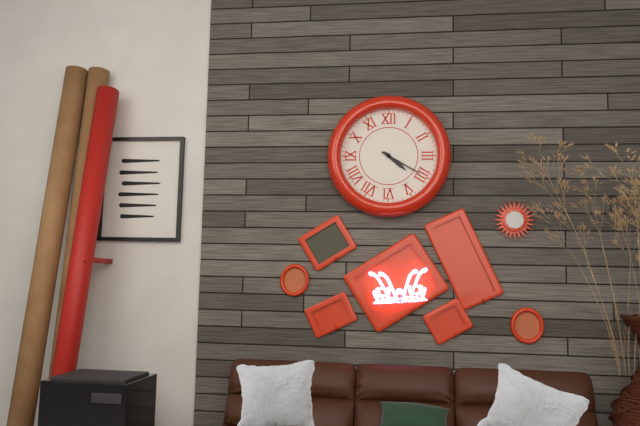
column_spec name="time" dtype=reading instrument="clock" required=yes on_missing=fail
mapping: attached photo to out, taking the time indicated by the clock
4:20
